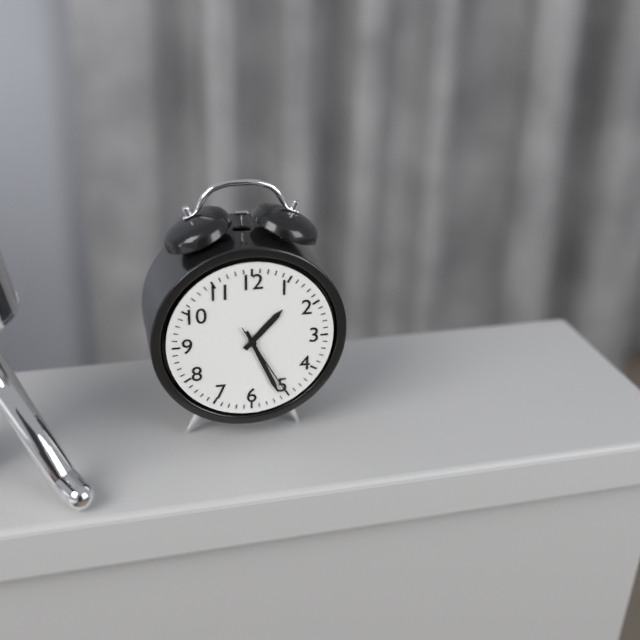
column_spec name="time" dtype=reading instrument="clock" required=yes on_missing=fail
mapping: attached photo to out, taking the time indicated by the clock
1:26:25
